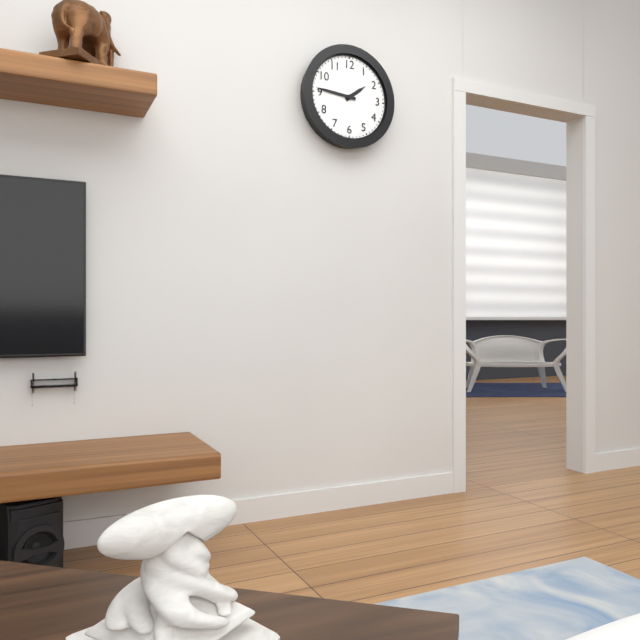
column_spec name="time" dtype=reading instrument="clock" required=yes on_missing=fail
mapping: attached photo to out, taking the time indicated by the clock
1:46
